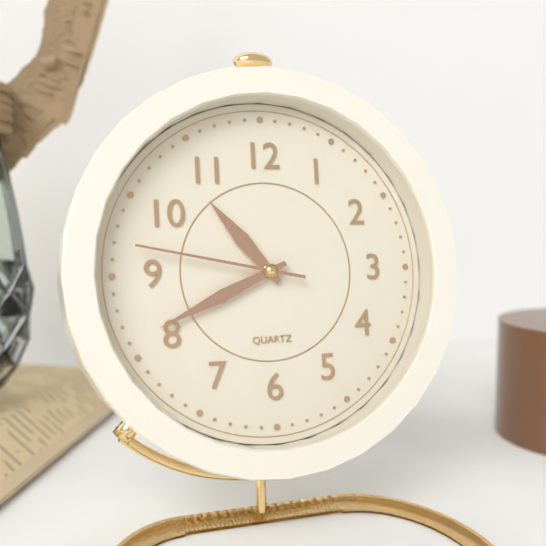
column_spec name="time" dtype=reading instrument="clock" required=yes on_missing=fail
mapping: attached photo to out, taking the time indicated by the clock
10:41:47
